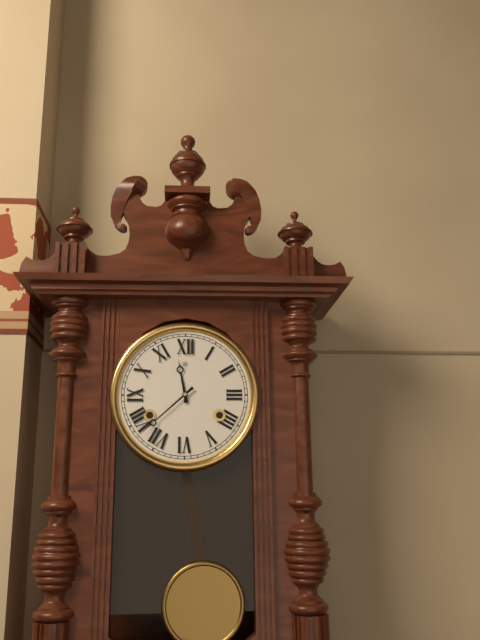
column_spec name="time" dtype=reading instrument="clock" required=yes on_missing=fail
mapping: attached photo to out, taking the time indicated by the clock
11:38
